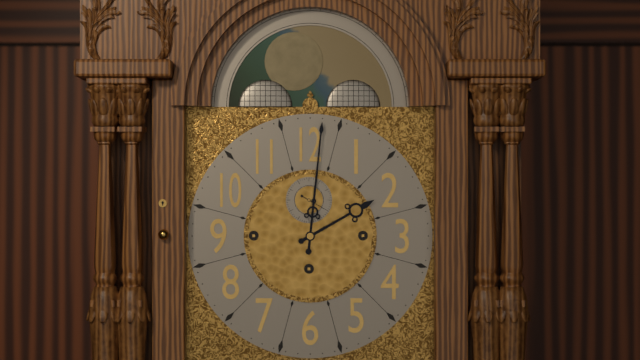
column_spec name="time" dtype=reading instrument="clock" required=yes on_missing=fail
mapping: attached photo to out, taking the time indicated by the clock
2:01
